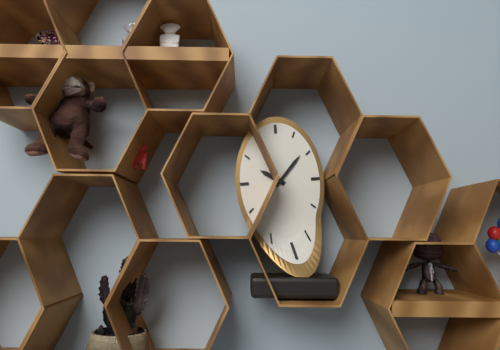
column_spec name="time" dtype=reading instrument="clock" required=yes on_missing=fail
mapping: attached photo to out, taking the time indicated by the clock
10:07
